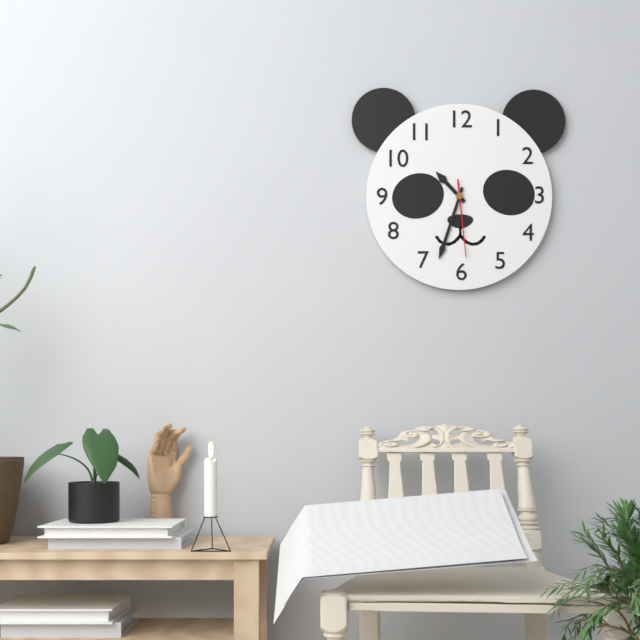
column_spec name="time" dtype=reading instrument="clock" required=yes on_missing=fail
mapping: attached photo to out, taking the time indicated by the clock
10:33:29
